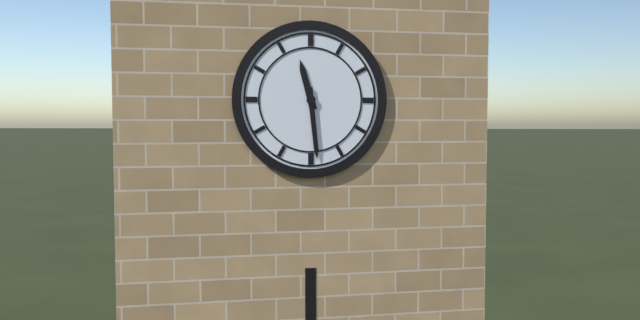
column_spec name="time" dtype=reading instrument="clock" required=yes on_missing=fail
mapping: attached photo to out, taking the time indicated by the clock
11:29
